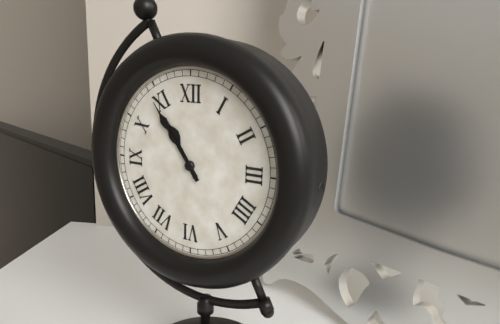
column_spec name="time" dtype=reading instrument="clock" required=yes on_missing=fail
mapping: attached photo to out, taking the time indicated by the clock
10:54
